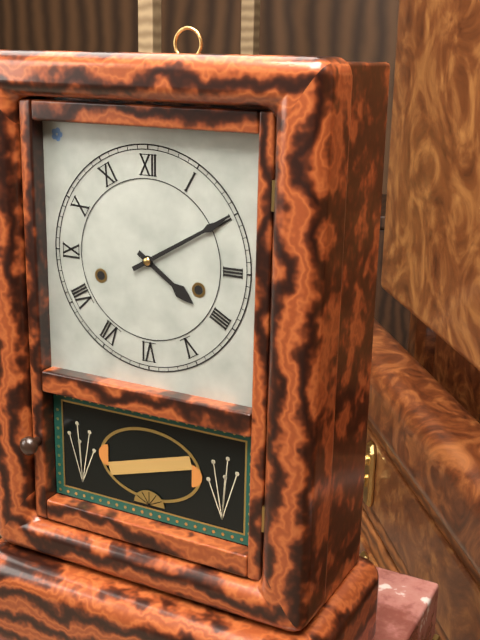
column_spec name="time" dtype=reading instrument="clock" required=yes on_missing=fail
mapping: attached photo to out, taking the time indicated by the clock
4:10
